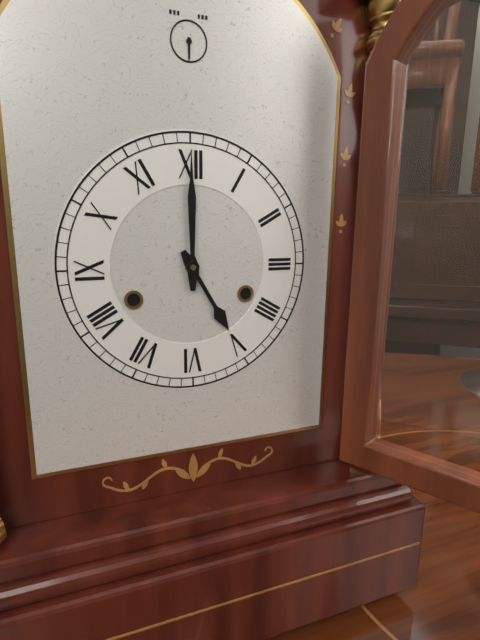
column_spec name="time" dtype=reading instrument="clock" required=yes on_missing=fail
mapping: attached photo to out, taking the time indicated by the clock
5:00
